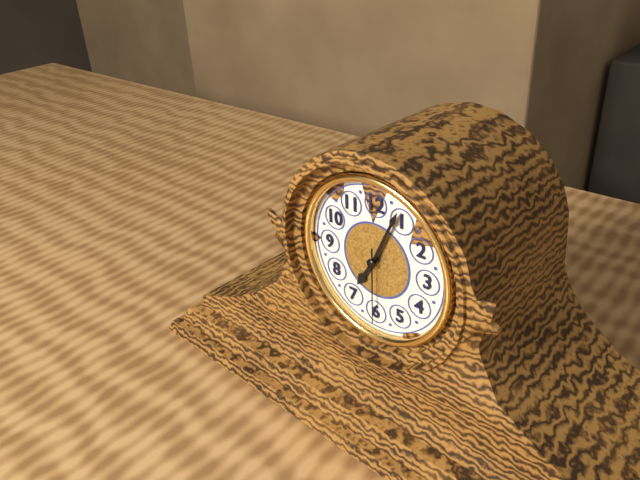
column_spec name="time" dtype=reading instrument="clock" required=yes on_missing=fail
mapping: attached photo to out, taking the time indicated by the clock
7:04:30
